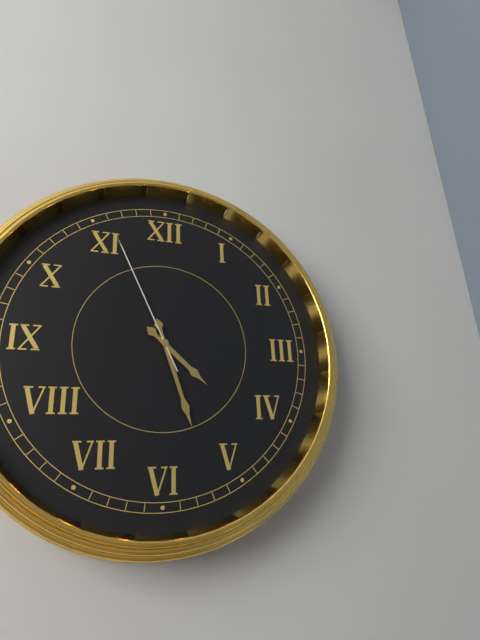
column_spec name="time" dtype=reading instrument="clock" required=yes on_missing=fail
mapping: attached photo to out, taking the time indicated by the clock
4:27:56
